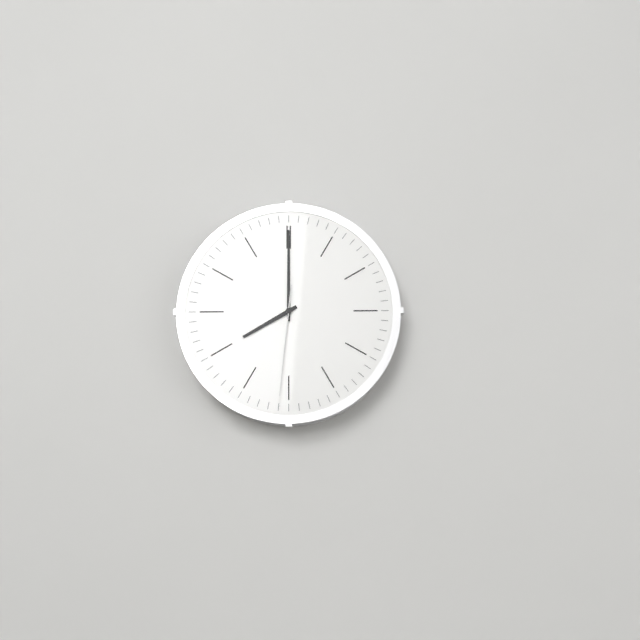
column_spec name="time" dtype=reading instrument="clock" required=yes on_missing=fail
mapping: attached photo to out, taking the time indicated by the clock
8:00:31
